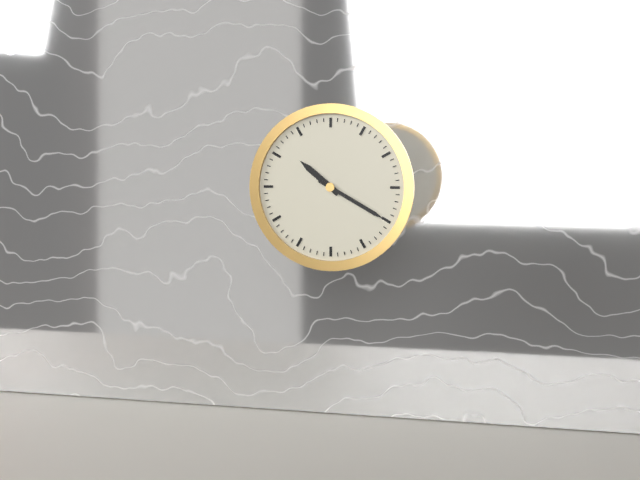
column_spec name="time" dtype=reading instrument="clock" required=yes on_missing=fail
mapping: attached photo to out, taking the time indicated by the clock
10:20
